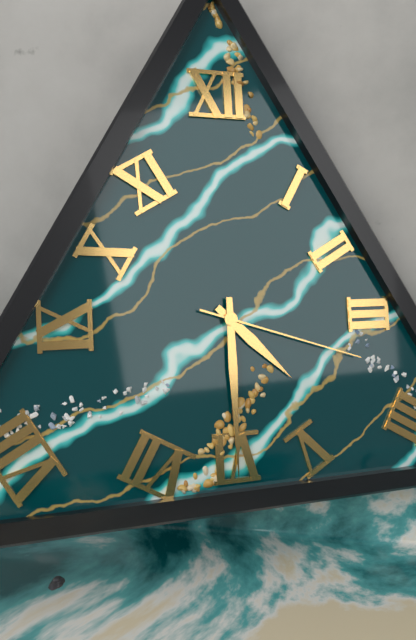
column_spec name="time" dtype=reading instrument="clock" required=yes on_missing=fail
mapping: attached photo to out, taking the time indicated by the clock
4:30:18
